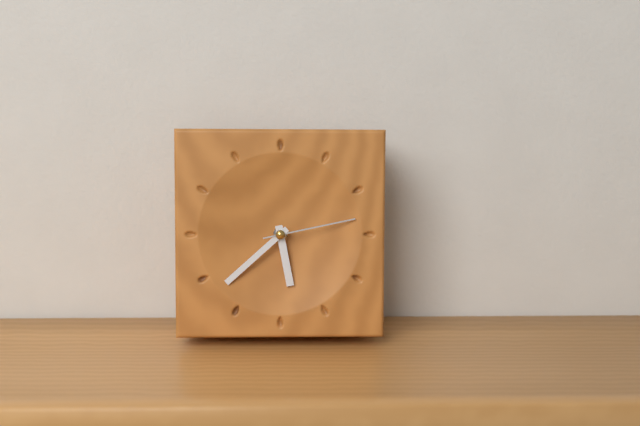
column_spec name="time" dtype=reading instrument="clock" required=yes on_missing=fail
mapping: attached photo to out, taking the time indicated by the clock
5:38:13
